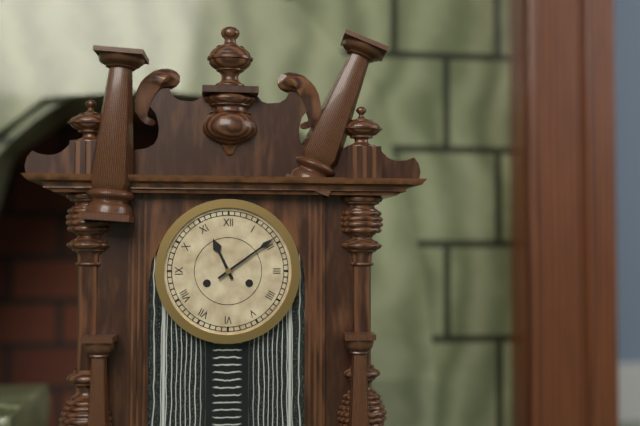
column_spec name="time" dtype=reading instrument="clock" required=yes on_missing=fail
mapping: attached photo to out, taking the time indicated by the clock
11:09
